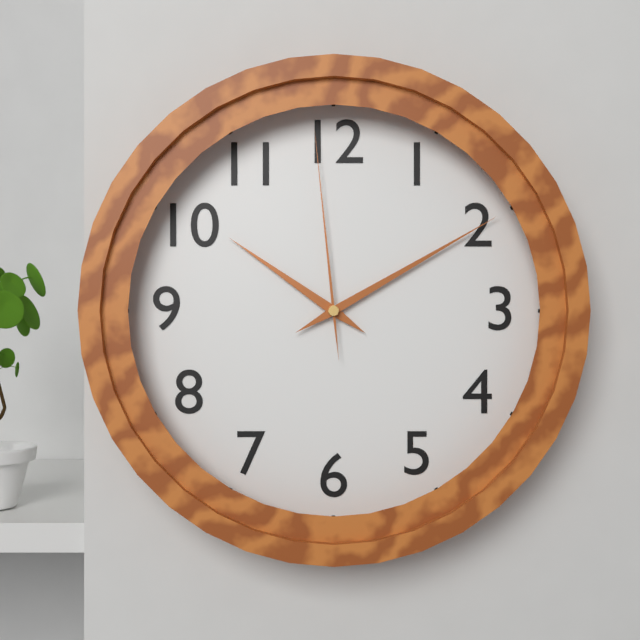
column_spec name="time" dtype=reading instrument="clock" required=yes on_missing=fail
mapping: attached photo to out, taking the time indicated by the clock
10:10:59
